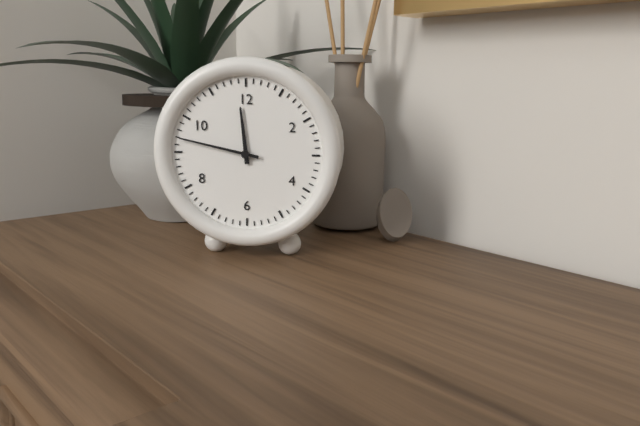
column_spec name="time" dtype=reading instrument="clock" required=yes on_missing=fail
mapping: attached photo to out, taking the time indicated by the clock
11:47
